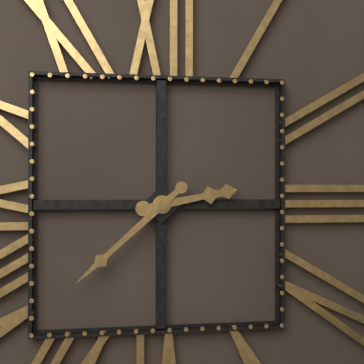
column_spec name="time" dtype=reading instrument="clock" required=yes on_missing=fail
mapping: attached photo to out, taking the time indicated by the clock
2:38
